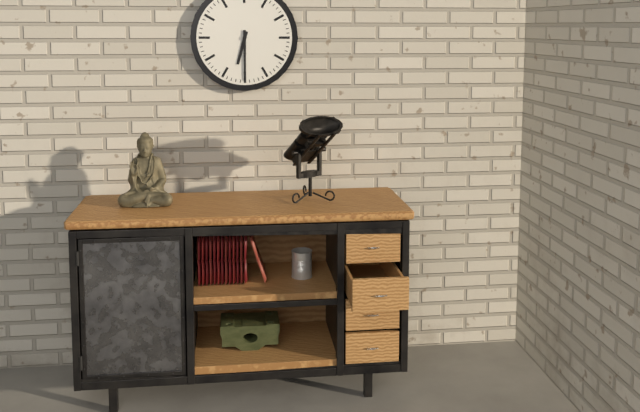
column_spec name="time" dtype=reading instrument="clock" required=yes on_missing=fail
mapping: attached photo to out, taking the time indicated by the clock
6:30
